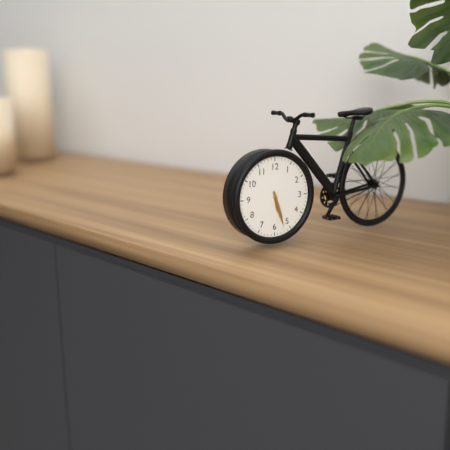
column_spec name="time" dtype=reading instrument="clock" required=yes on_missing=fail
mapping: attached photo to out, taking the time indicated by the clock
5:27
